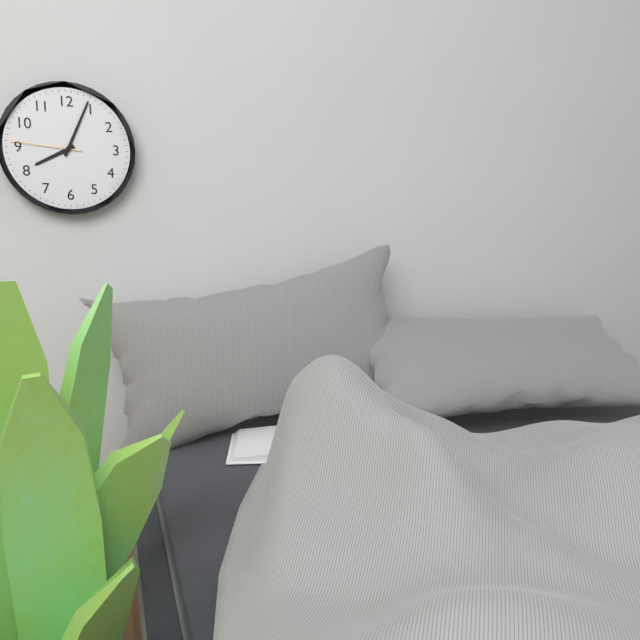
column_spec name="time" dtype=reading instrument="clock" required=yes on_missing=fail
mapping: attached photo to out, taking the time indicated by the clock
8:04:46
